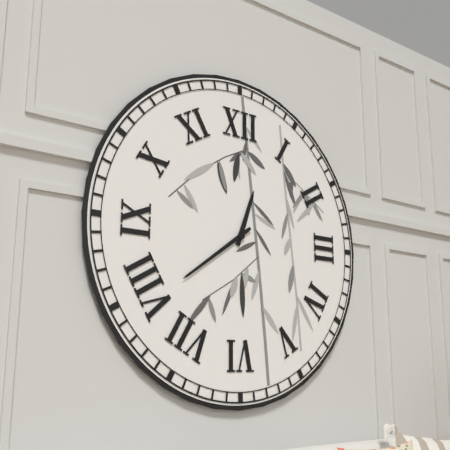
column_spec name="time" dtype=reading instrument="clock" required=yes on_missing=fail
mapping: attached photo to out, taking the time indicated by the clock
12:39
